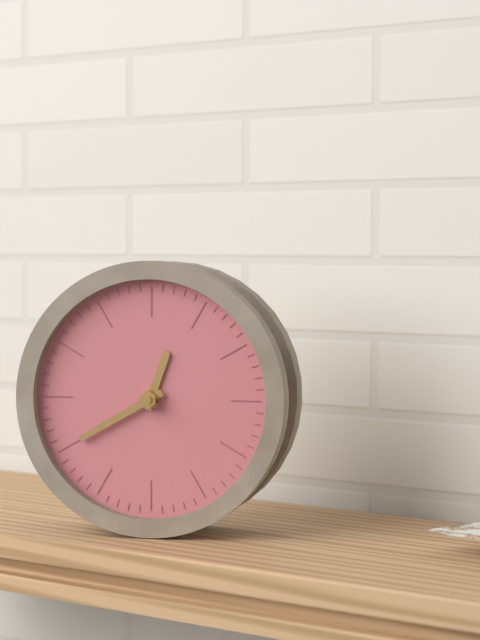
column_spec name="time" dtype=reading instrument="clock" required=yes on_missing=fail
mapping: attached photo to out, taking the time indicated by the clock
12:40
